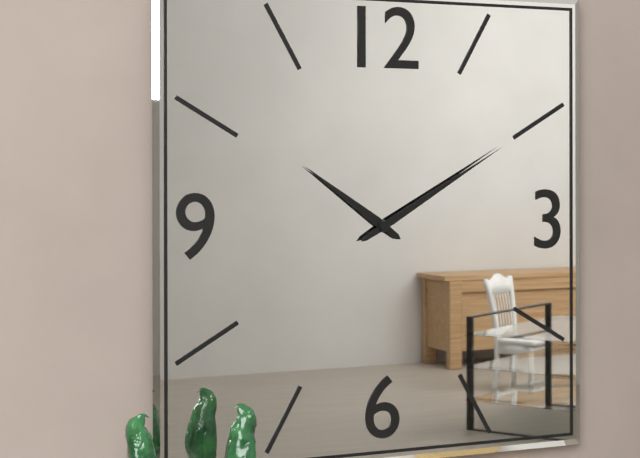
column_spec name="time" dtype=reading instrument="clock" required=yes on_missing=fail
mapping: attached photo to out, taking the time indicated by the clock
10:10
